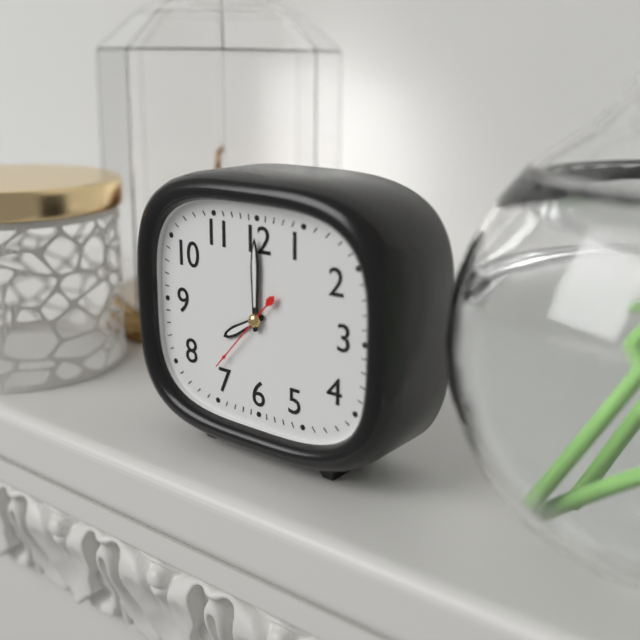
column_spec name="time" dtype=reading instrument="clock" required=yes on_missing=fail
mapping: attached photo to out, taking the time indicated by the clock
8:00:37
